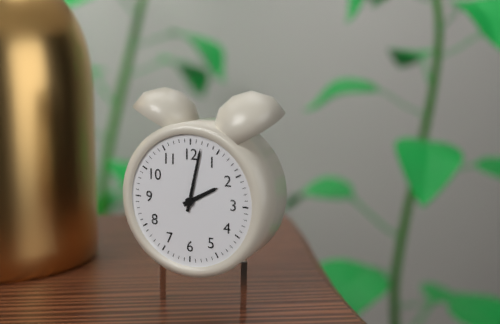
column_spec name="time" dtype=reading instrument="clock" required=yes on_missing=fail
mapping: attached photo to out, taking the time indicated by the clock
2:02
